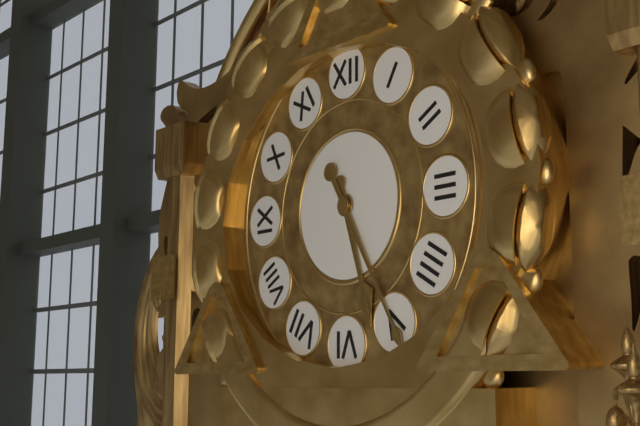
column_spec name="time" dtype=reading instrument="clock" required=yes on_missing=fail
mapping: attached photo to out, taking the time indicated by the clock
5:25
